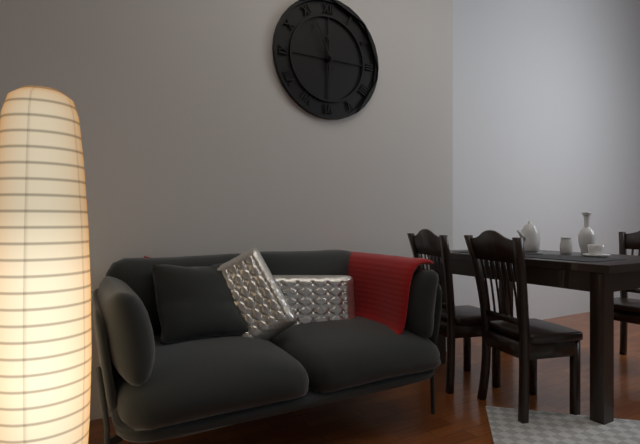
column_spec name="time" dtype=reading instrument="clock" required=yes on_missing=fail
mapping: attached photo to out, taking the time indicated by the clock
11:56
